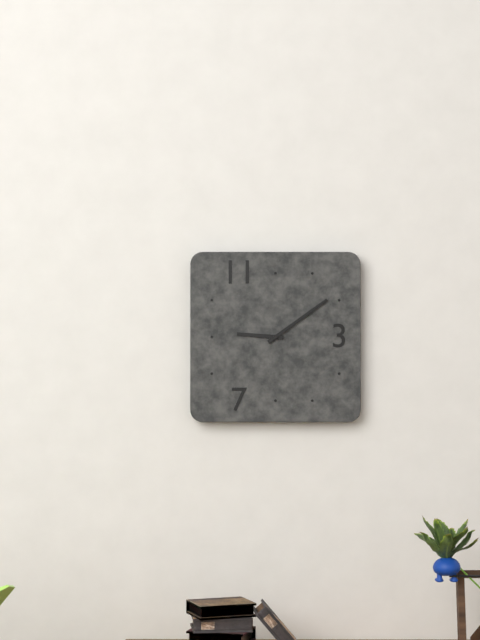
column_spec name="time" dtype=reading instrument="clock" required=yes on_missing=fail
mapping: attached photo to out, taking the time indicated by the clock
9:09
